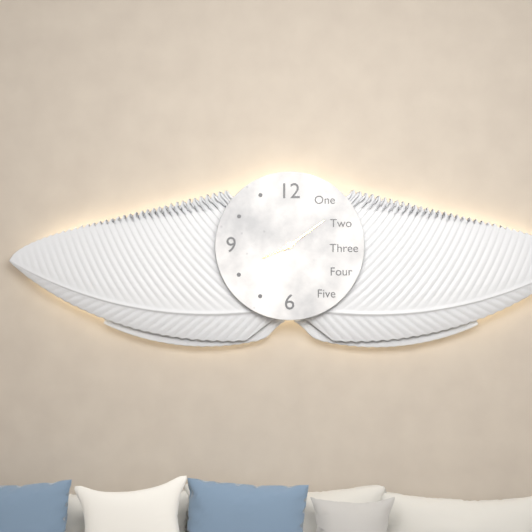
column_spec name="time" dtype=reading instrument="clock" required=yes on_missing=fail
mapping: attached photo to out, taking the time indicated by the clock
8:09
